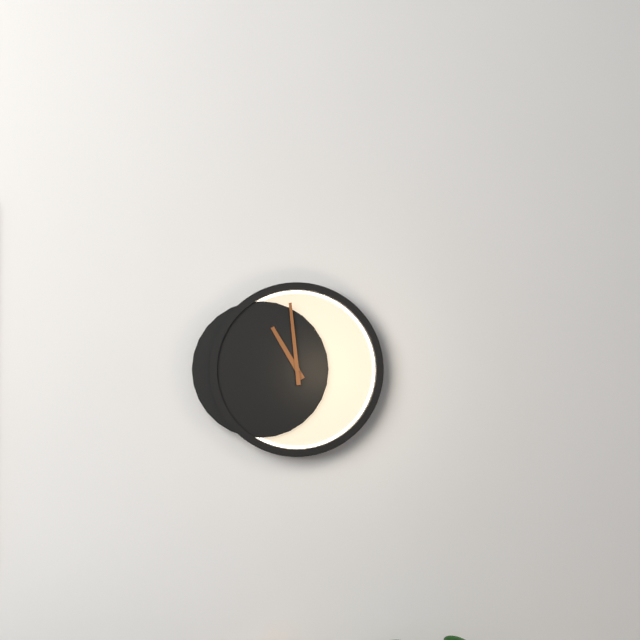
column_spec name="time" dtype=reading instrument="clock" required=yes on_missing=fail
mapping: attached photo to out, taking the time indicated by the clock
10:59
